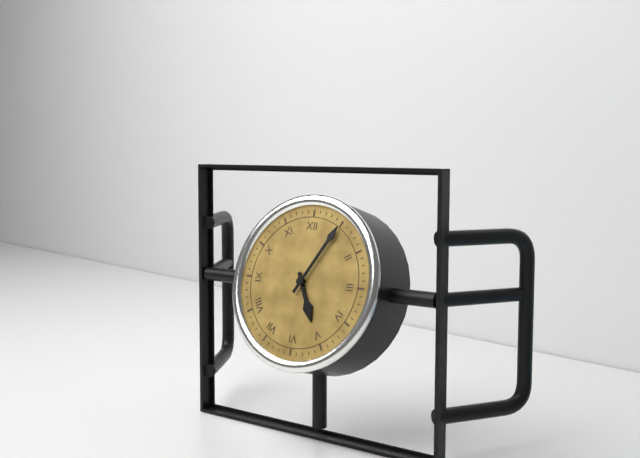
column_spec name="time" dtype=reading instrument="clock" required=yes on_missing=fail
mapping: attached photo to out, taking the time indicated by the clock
5:05
